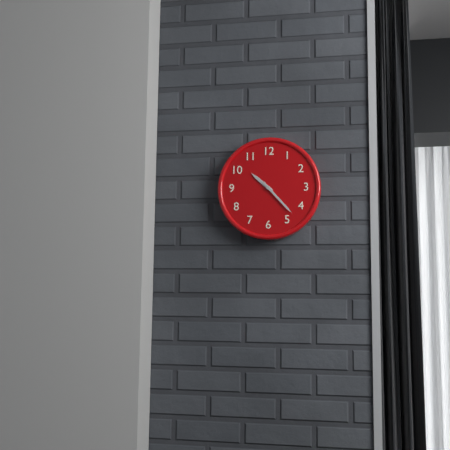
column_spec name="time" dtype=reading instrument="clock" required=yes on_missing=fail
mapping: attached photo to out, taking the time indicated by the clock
10:23
